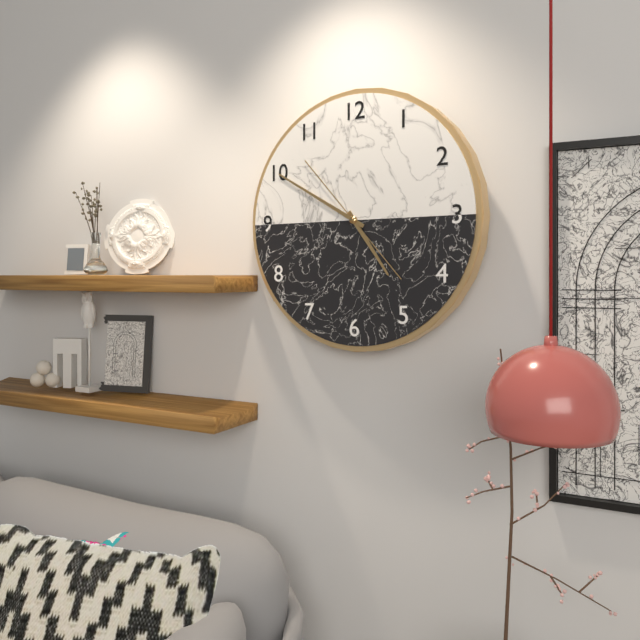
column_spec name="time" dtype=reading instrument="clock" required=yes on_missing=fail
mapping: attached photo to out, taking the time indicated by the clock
4:50:53
